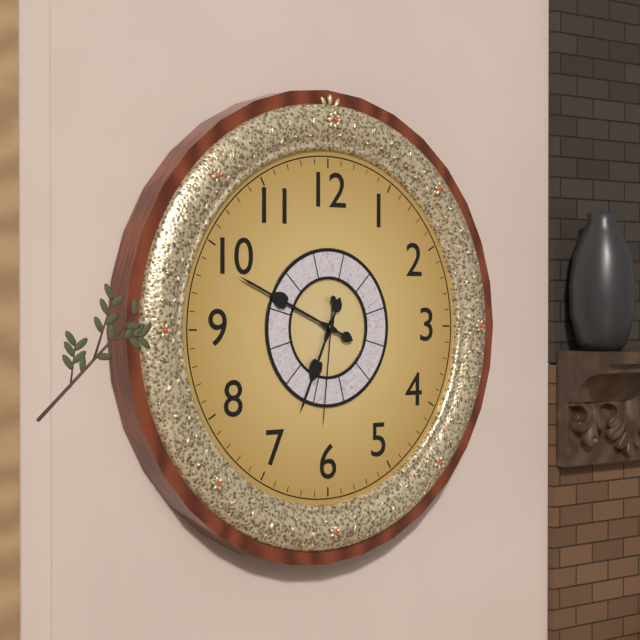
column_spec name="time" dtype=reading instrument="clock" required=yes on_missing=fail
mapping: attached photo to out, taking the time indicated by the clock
6:49:31
